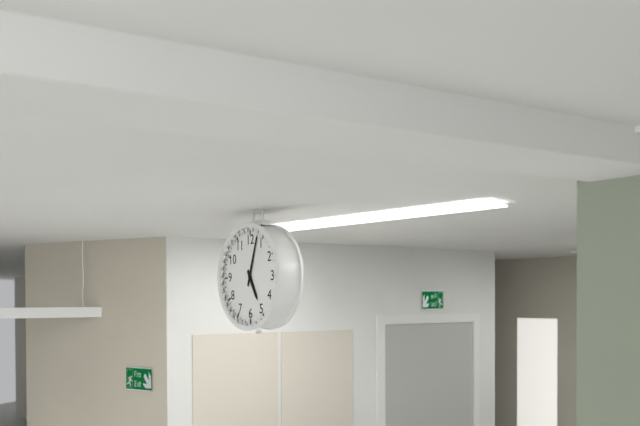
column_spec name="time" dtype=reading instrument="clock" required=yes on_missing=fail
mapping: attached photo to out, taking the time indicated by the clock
5:03
